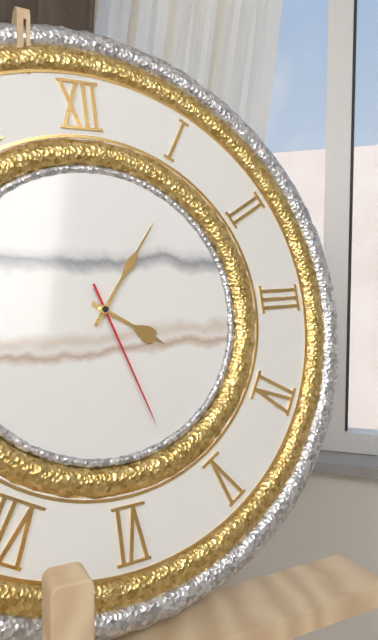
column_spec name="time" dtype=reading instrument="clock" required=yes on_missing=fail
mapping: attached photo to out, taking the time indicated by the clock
4:06:27
